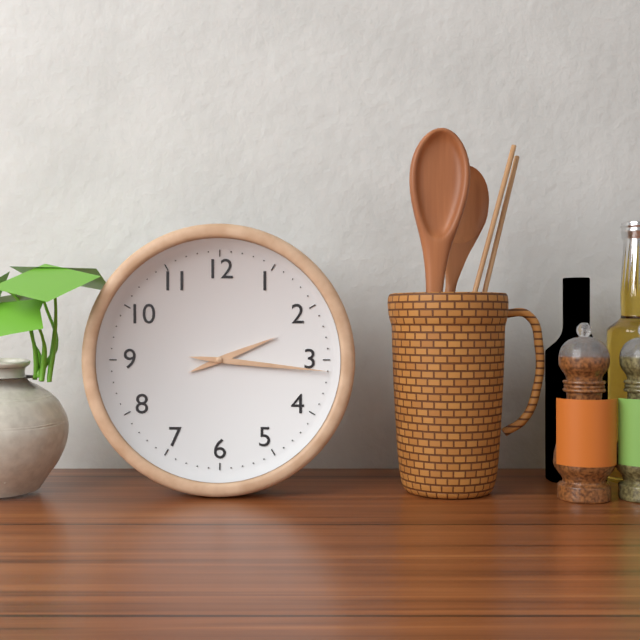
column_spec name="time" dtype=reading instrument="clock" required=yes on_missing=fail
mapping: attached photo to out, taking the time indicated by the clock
2:16
